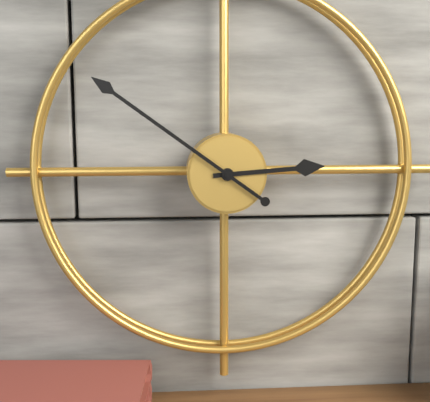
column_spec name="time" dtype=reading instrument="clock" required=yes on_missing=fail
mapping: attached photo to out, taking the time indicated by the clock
2:51
